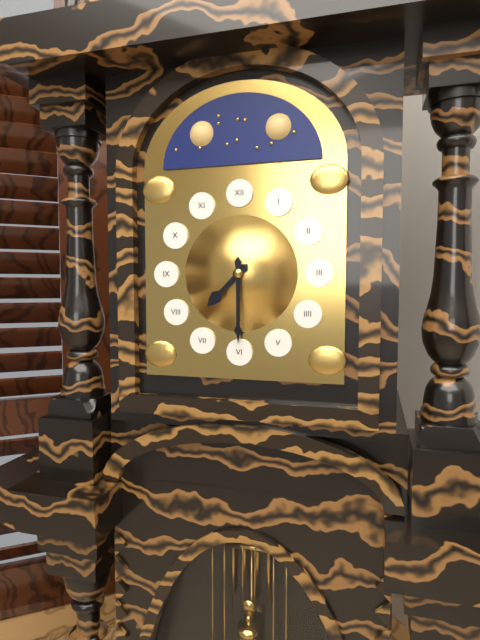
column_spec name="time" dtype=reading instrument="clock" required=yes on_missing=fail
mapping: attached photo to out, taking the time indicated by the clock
7:30
